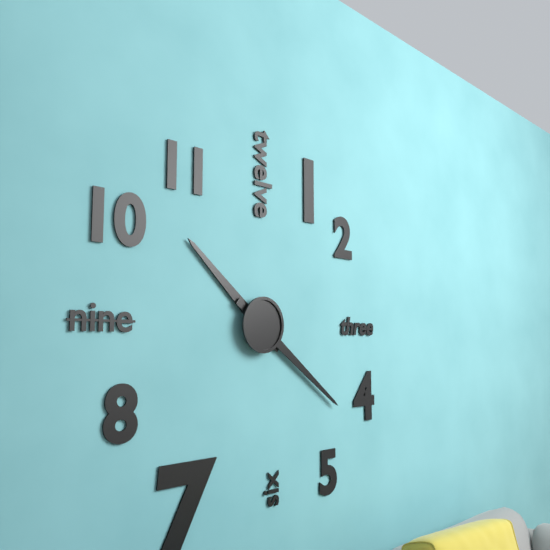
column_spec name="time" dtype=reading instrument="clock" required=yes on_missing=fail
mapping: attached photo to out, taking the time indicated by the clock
10:21
